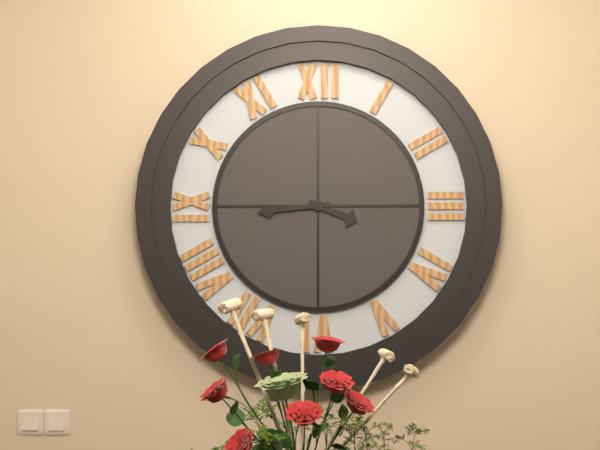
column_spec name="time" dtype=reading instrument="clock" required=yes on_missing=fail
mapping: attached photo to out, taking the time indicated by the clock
3:44
